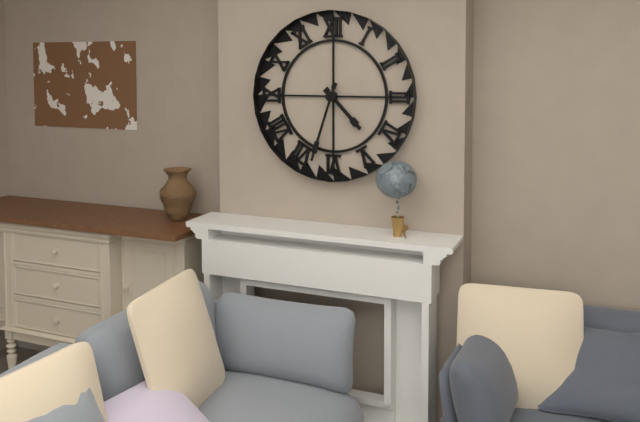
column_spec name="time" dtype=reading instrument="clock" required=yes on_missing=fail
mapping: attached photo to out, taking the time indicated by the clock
4:33
